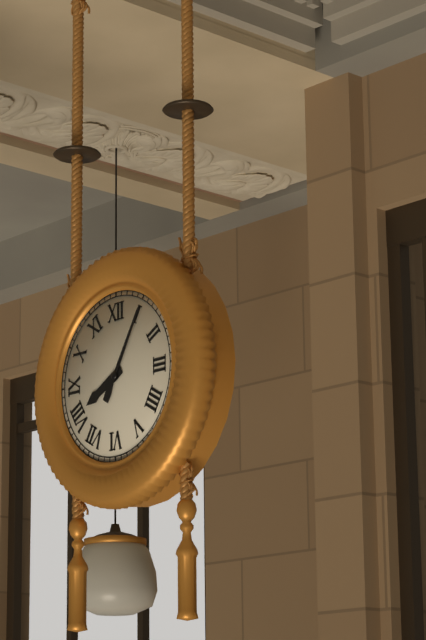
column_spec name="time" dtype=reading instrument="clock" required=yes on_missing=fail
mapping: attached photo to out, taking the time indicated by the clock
8:05
